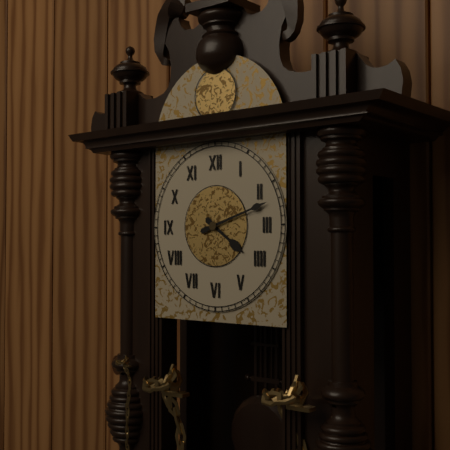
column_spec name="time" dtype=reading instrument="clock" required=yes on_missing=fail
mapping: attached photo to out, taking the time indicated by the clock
4:12
